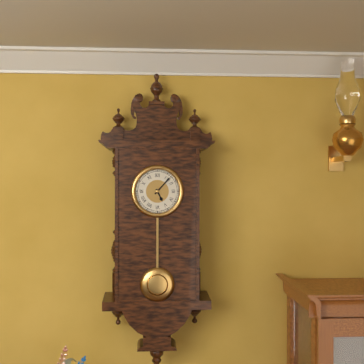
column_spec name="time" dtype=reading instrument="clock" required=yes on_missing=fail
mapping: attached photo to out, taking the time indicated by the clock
5:07
